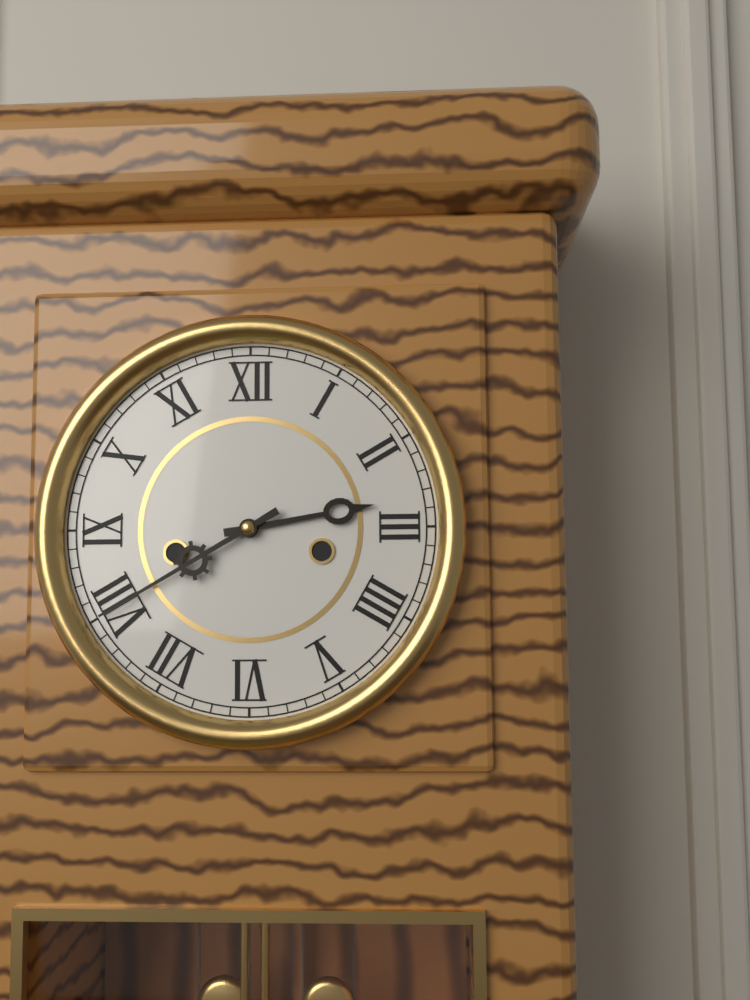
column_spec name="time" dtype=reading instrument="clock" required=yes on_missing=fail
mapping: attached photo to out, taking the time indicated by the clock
2:40
